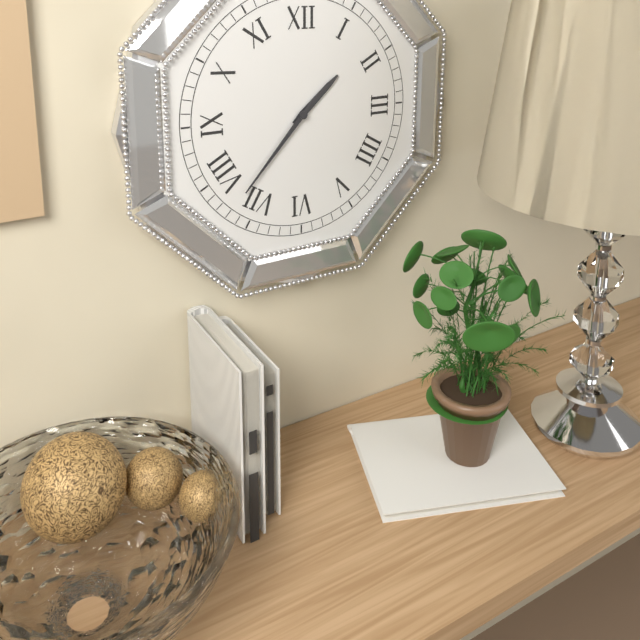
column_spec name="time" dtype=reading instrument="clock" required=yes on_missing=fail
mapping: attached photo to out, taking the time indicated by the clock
1:37
